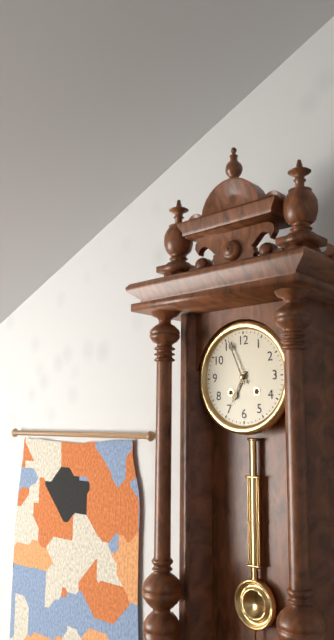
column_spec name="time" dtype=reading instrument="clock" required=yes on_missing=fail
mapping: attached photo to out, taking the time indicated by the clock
6:56
